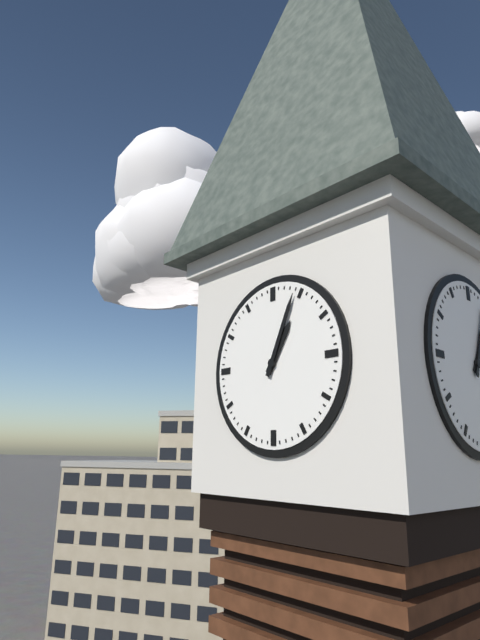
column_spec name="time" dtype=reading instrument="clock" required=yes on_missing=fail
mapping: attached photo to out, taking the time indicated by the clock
1:04
